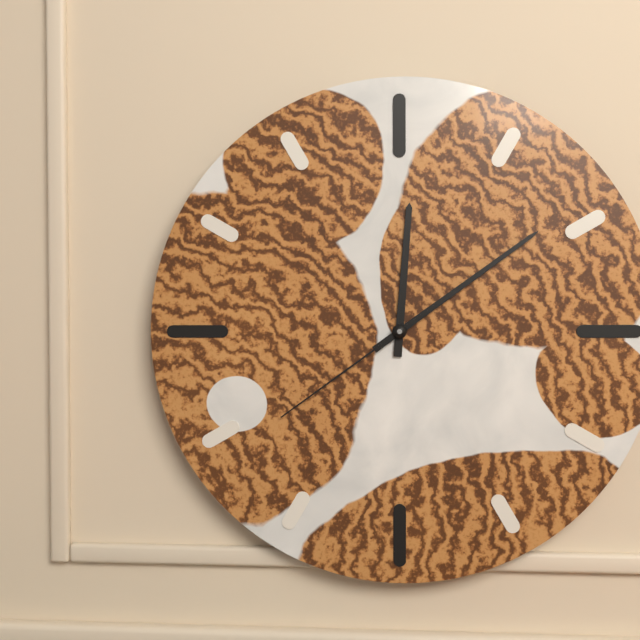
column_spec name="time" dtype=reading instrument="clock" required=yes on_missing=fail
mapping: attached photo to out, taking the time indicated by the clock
12:09:39
